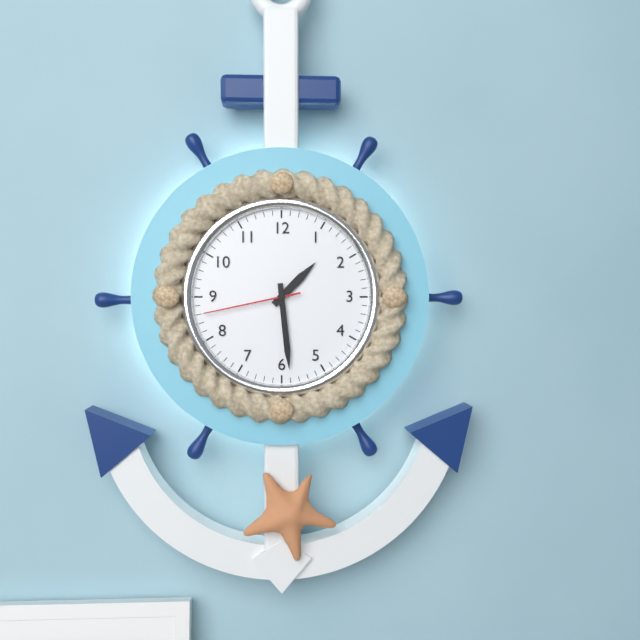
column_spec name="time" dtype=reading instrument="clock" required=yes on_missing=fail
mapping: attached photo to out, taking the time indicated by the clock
1:29:43
